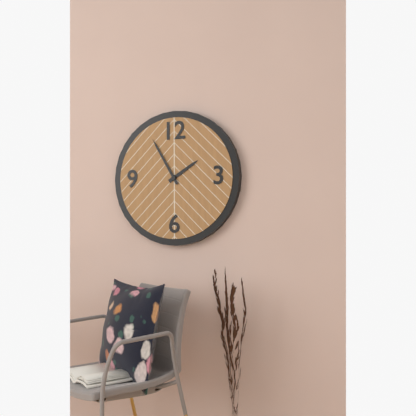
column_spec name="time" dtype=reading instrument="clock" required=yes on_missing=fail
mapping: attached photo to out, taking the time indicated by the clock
1:55
